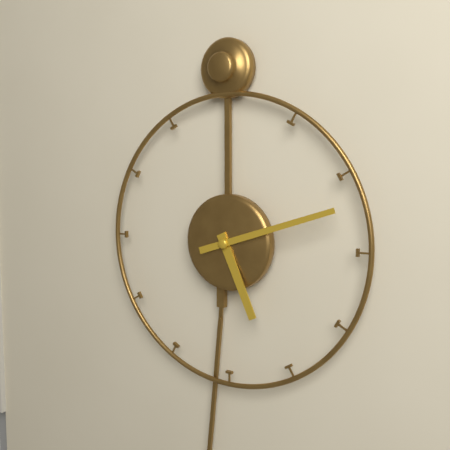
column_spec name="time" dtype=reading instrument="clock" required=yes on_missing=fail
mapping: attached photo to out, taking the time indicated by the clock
5:12
